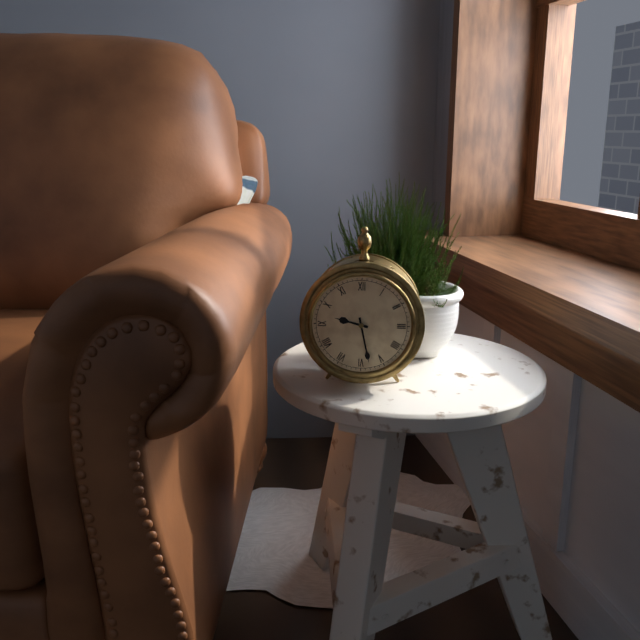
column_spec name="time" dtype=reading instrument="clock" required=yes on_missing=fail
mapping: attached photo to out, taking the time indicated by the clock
9:28
